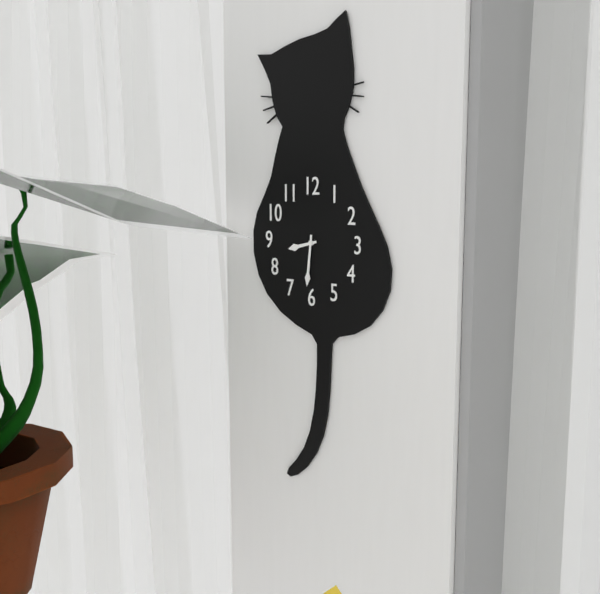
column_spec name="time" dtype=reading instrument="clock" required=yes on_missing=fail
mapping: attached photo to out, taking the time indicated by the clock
8:31
